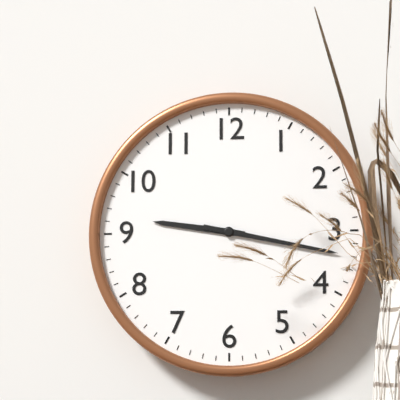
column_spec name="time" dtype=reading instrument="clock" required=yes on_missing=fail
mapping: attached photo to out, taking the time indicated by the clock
9:17
